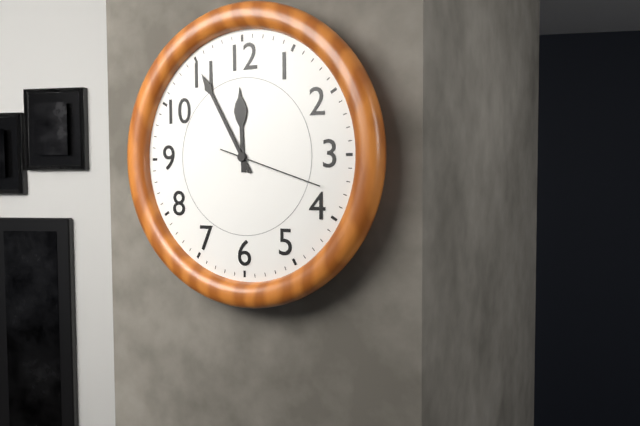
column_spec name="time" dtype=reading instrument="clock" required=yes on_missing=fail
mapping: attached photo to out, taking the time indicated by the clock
11:55:18
